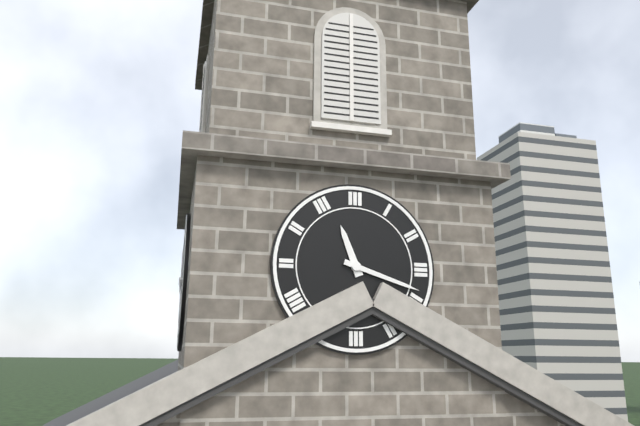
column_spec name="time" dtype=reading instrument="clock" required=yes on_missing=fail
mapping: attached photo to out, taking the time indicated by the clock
11:18
